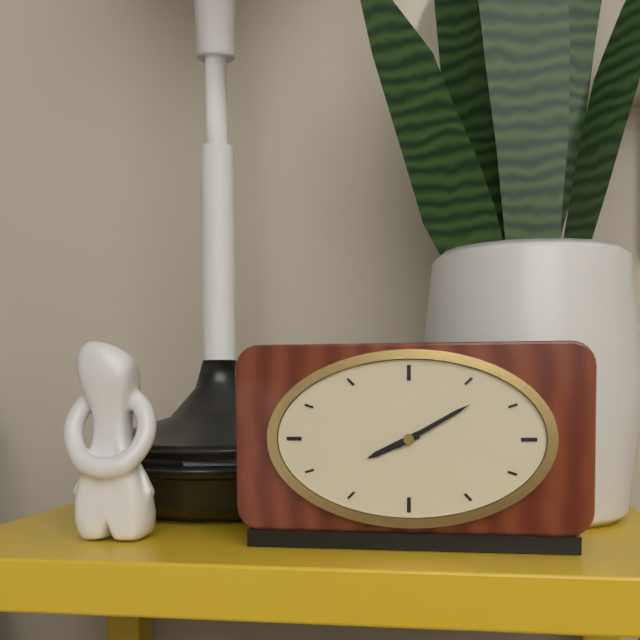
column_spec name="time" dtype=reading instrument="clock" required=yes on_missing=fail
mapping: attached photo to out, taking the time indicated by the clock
8:10
